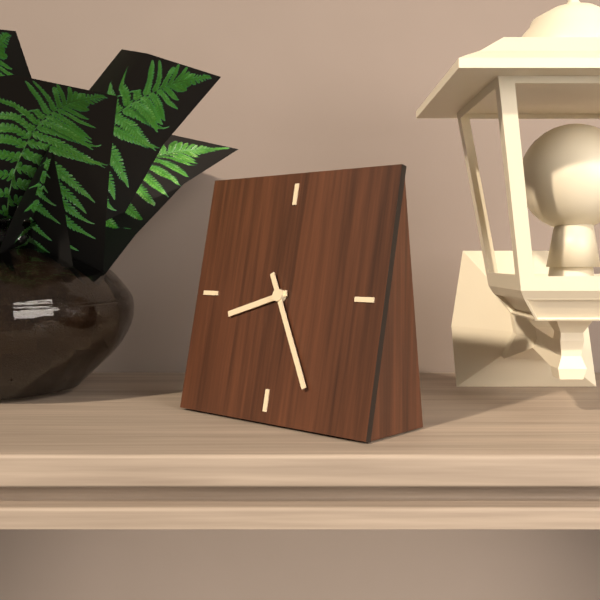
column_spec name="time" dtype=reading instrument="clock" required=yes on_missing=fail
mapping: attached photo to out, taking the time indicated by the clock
8:25
